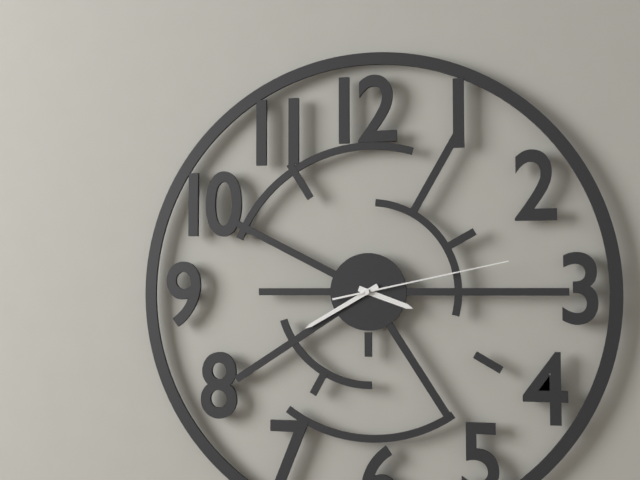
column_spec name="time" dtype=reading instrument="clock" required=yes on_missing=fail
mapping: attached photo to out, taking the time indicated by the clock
3:40:13
